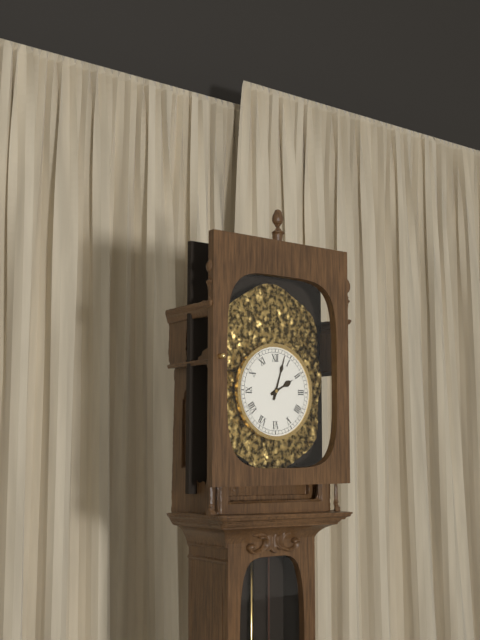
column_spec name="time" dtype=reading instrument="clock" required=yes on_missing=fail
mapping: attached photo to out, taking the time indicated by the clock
2:03
